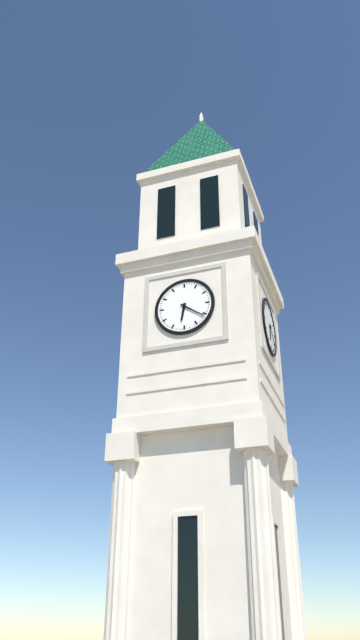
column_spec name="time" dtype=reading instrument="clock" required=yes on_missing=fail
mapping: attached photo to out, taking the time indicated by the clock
6:21
